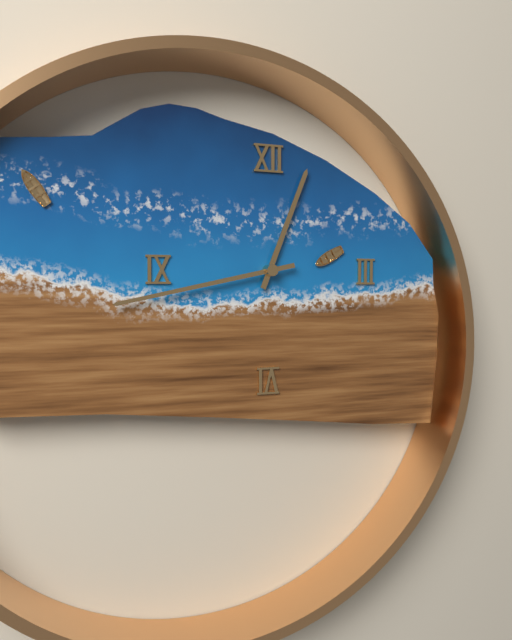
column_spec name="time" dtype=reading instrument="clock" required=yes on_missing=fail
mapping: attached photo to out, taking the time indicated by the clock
12:43
